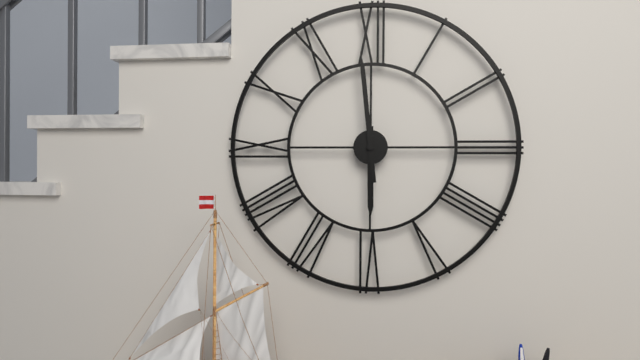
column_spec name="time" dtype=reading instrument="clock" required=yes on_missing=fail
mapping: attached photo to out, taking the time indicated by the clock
5:59
